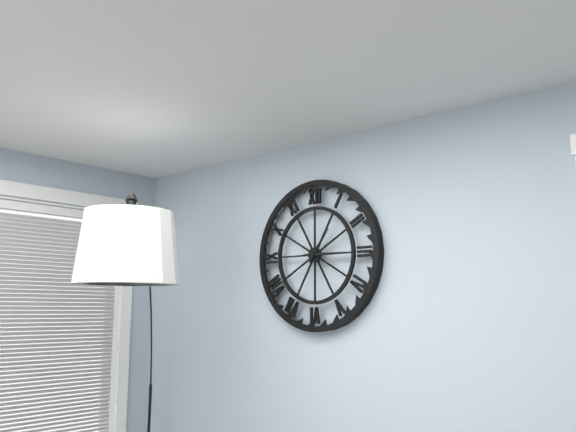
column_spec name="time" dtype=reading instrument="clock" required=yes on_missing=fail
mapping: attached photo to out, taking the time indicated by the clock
1:15
